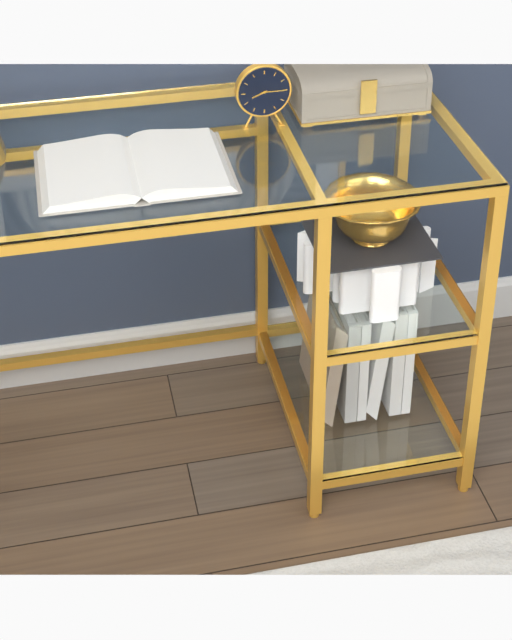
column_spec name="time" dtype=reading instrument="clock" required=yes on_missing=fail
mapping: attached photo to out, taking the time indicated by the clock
8:15
